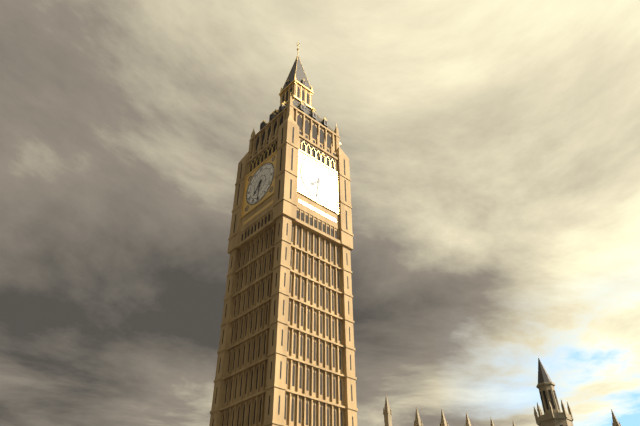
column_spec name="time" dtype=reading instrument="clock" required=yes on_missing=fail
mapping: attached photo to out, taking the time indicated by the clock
7:31
